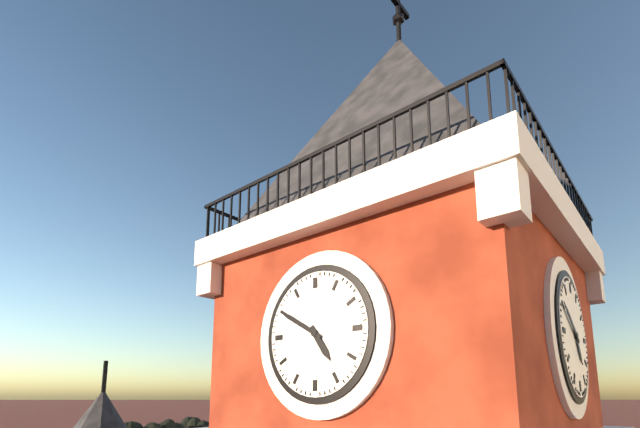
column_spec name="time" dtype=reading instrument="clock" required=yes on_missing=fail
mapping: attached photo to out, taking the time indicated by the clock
4:50
